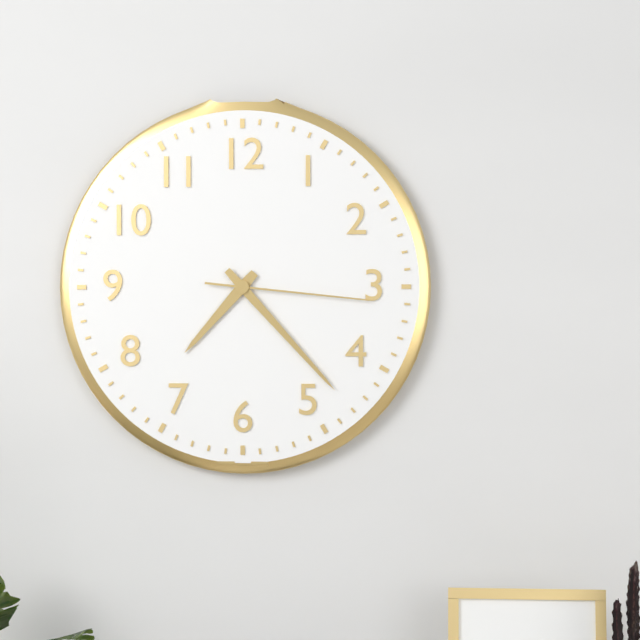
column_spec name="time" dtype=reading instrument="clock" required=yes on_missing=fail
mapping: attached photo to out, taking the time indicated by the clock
7:23:16
